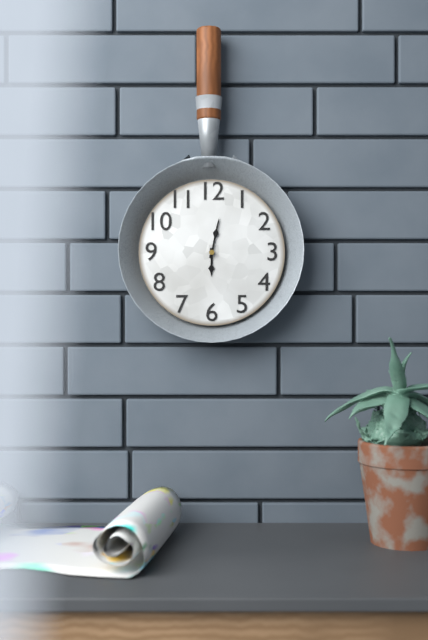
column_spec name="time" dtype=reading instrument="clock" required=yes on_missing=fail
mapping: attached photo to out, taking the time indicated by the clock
6:02
